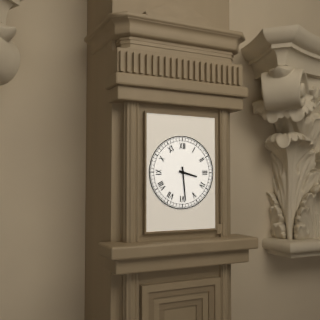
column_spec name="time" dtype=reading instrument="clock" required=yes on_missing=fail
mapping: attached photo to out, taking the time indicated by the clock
3:29
